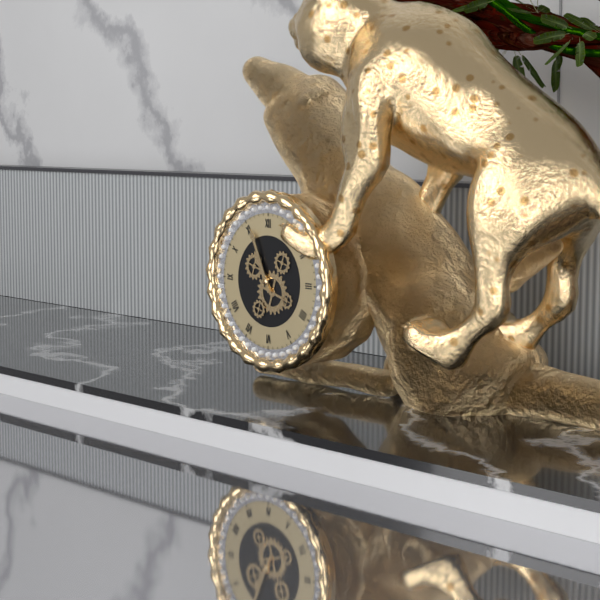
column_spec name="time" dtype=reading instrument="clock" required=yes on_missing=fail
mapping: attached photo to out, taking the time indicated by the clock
10:56
